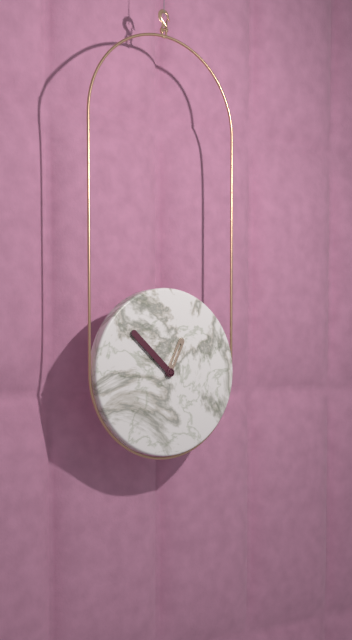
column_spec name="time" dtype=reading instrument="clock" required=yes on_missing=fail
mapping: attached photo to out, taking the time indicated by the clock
12:52
